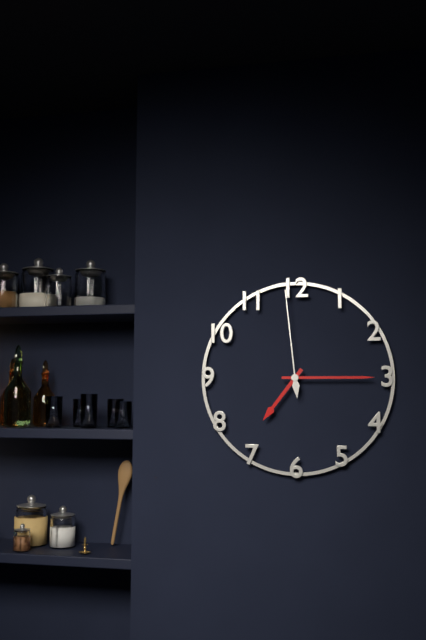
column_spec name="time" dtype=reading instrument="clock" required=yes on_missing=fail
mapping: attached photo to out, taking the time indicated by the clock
7:15:59
